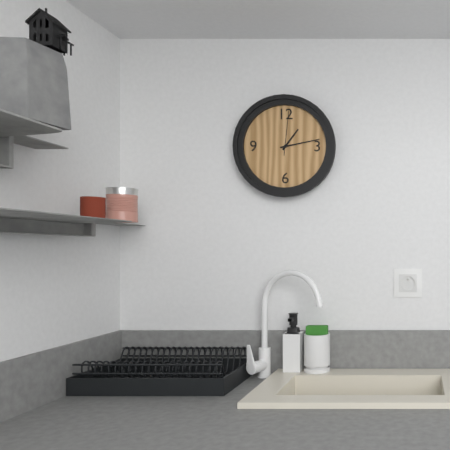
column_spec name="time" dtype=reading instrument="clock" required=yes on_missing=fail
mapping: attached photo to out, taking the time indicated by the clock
1:13
